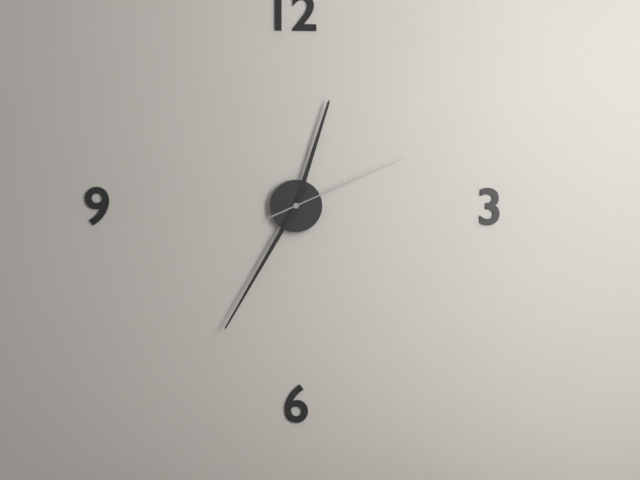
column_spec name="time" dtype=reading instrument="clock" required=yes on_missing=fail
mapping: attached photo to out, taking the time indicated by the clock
12:35:11
